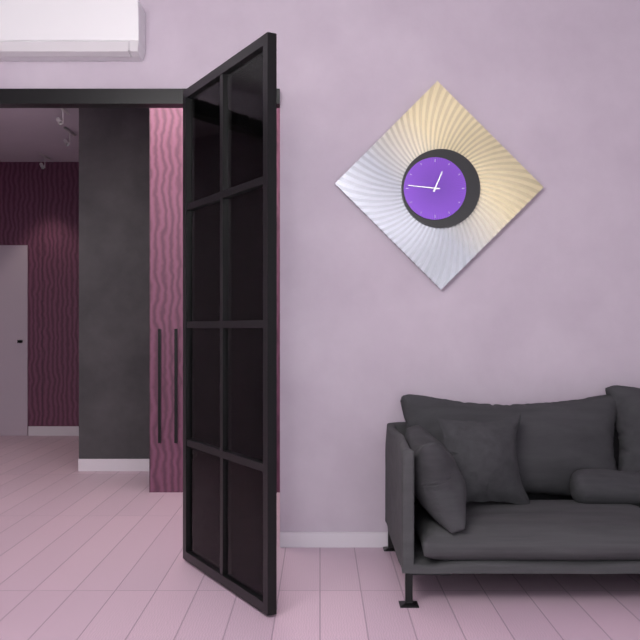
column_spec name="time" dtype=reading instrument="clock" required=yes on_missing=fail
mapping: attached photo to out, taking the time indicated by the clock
12:46
